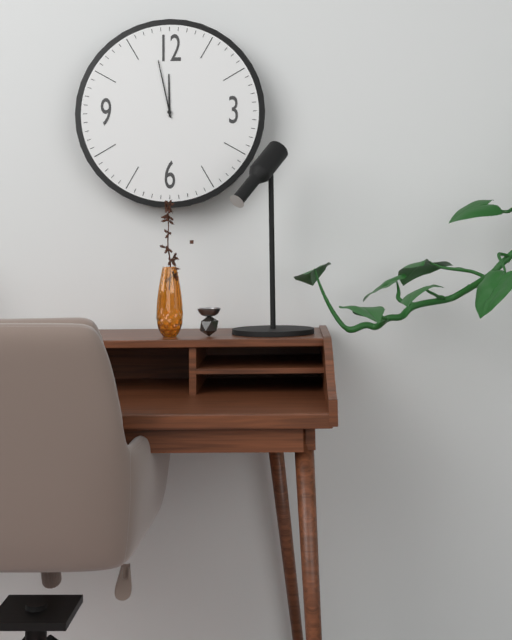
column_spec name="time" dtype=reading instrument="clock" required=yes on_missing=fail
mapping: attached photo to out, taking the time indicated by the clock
11:58
